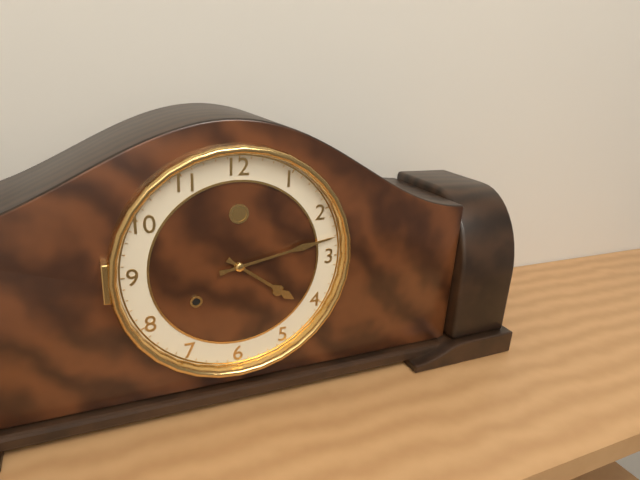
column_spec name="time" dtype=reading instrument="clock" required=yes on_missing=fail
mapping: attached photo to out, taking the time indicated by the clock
4:13
